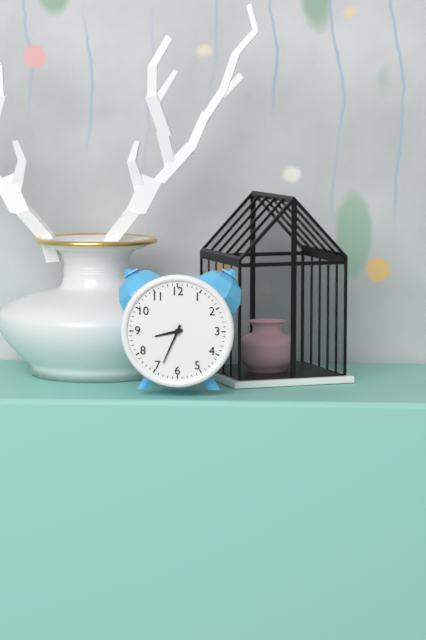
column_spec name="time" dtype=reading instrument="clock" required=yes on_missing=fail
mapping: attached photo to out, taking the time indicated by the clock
8:34
